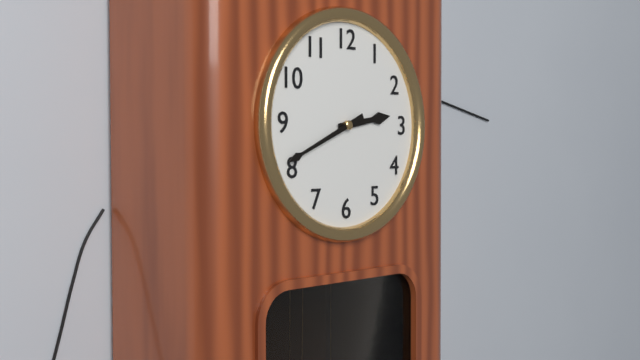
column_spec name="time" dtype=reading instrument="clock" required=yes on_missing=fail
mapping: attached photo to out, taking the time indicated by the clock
2:41
